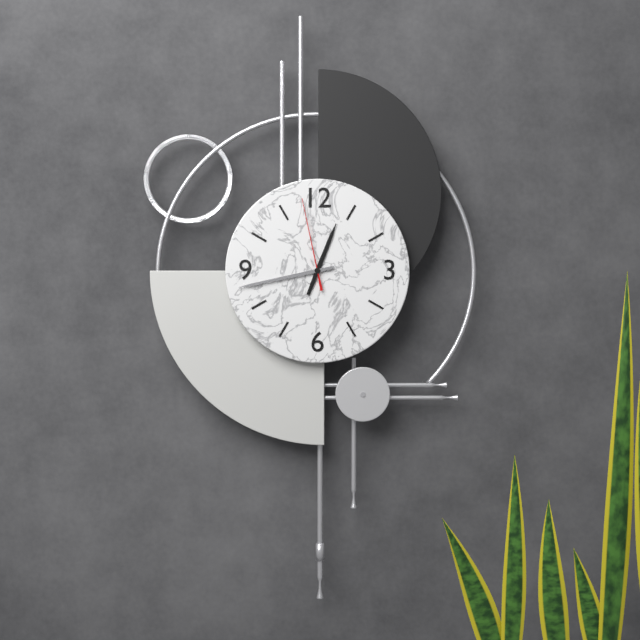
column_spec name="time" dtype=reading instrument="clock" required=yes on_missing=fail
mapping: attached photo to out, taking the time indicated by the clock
12:43:58
